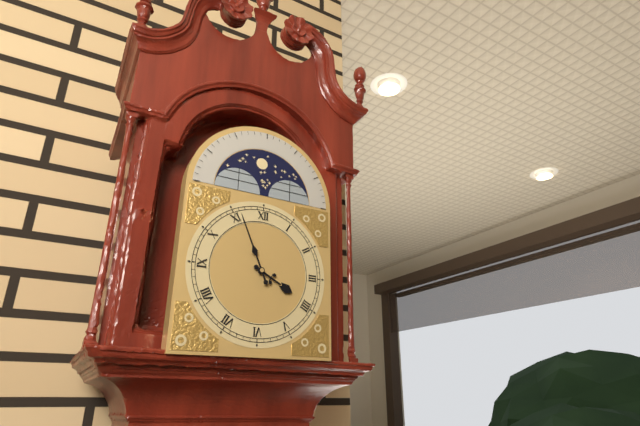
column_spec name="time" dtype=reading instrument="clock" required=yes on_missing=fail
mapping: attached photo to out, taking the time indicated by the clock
3:56
